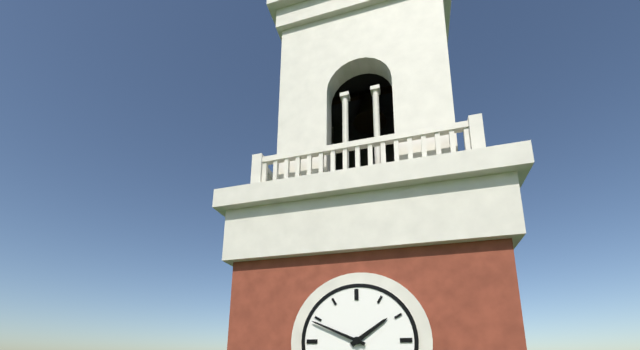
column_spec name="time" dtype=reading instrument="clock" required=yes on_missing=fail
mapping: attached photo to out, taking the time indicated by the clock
1:49
